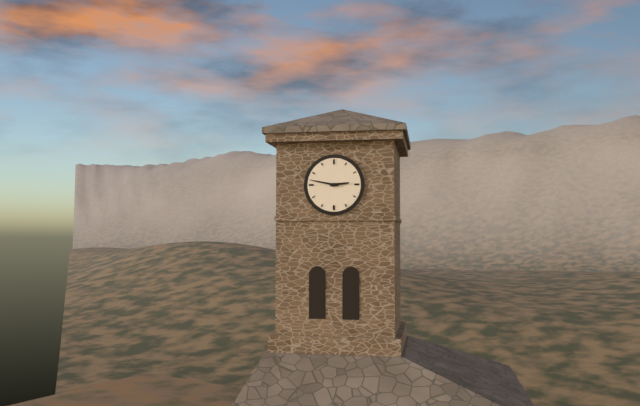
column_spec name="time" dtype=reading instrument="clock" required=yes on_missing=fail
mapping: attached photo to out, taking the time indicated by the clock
2:47
